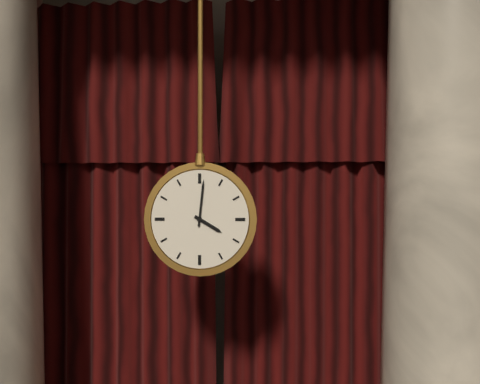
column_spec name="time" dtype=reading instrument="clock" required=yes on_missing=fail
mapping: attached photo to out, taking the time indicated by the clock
4:01
